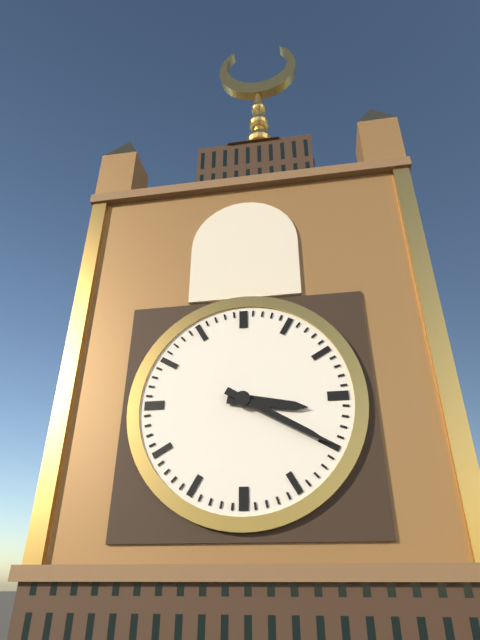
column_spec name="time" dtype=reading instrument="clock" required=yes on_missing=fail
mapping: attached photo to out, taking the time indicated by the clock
3:20
